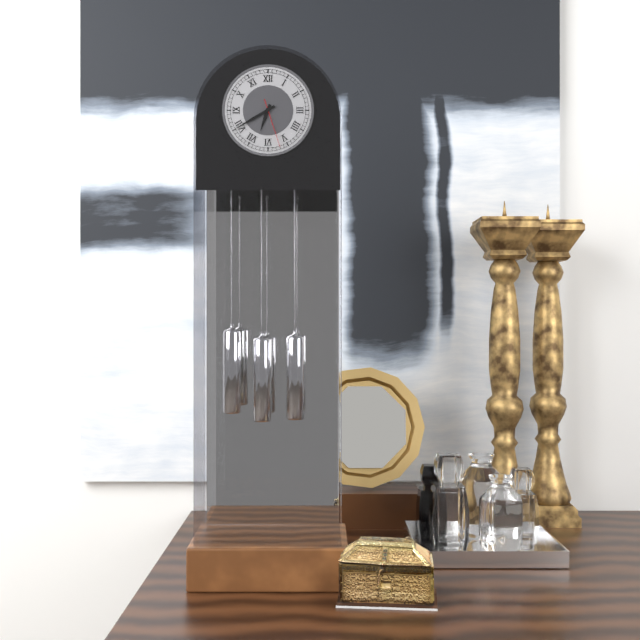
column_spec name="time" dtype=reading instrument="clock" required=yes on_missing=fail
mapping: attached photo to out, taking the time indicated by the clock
6:40
